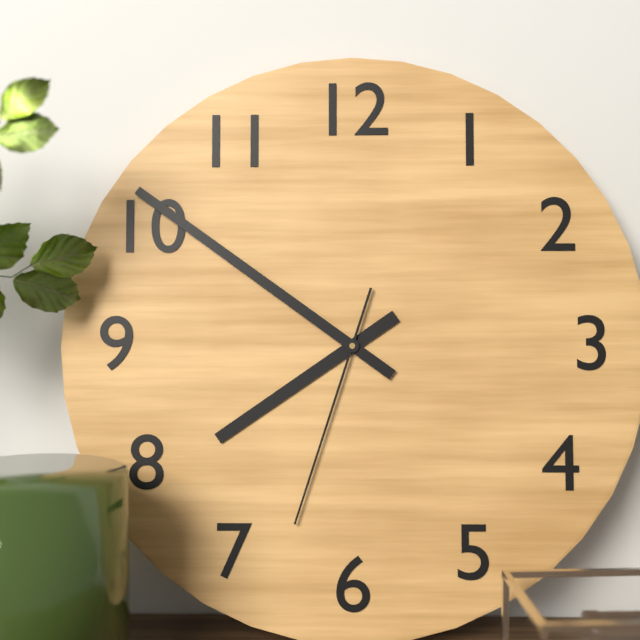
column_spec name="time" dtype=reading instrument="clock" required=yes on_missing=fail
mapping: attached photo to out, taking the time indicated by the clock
7:51:33
